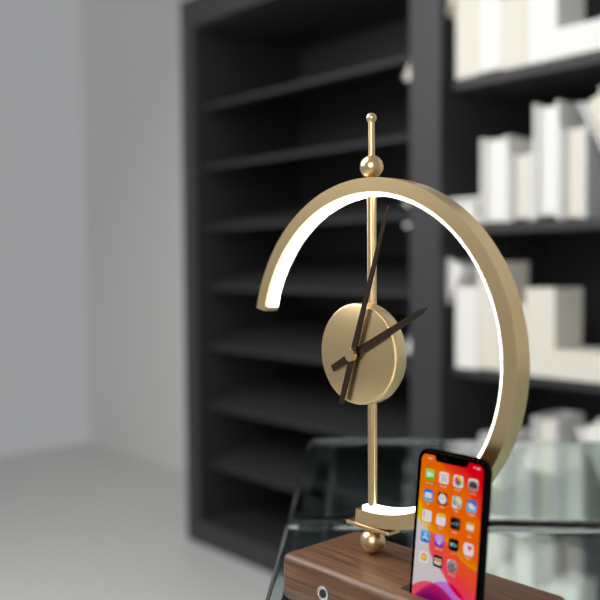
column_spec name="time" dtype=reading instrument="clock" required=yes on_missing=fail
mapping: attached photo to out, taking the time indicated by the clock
2:03
